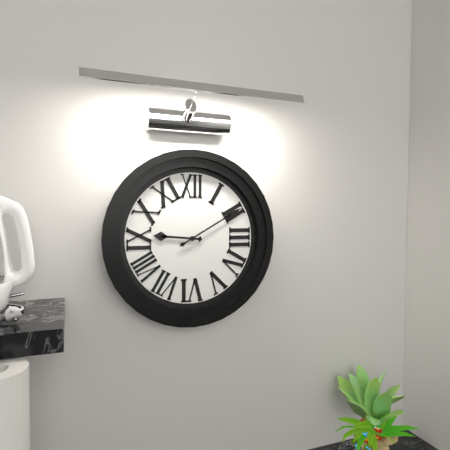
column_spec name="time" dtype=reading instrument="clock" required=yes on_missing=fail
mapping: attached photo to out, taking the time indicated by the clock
9:10
